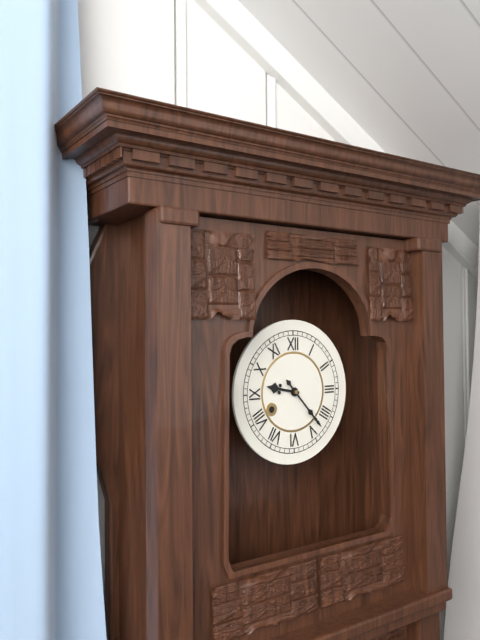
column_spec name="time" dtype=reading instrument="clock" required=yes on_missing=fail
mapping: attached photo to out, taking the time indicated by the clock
9:23
